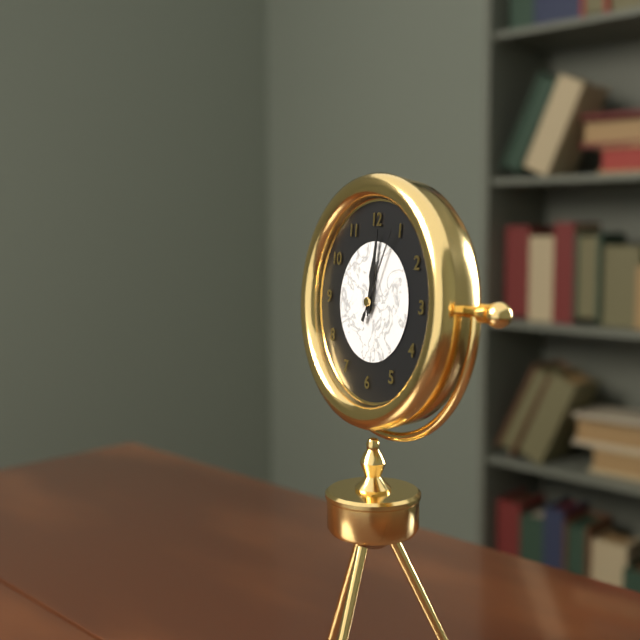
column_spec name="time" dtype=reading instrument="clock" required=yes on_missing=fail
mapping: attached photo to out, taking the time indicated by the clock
12:01:04
